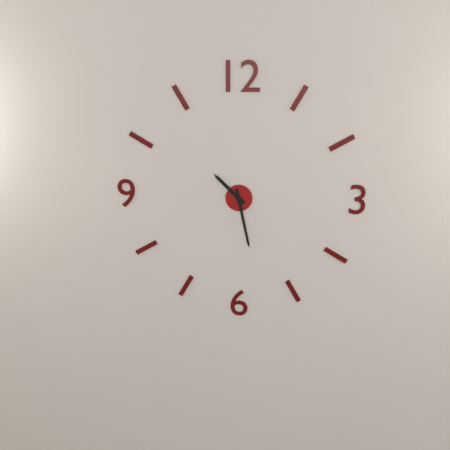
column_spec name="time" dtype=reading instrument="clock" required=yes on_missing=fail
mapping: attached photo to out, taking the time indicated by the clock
10:28
